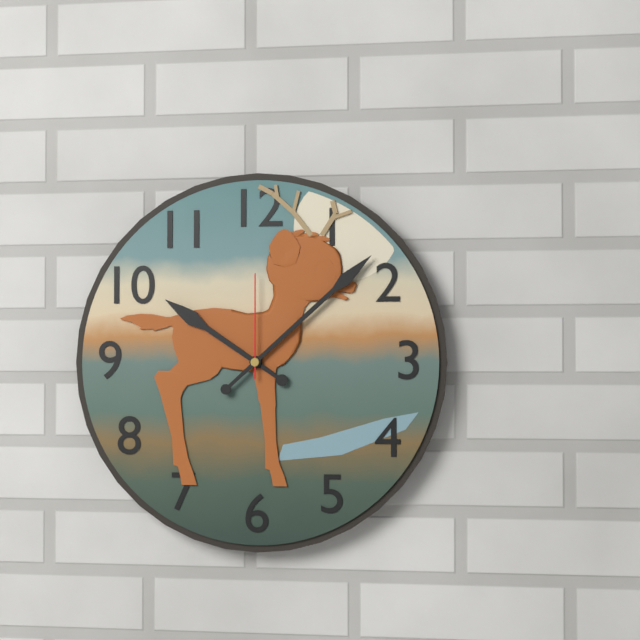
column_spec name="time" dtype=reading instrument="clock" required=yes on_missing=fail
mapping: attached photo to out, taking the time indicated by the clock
10:08:00
